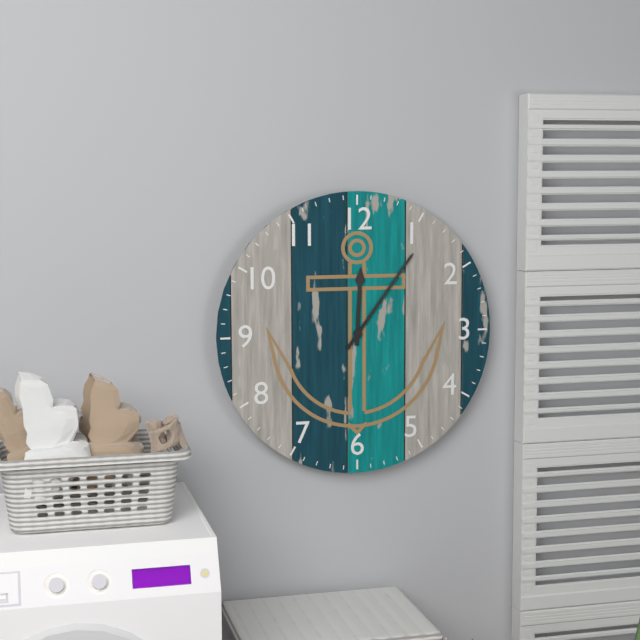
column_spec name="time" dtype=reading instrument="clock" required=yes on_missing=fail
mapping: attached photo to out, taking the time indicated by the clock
12:06
